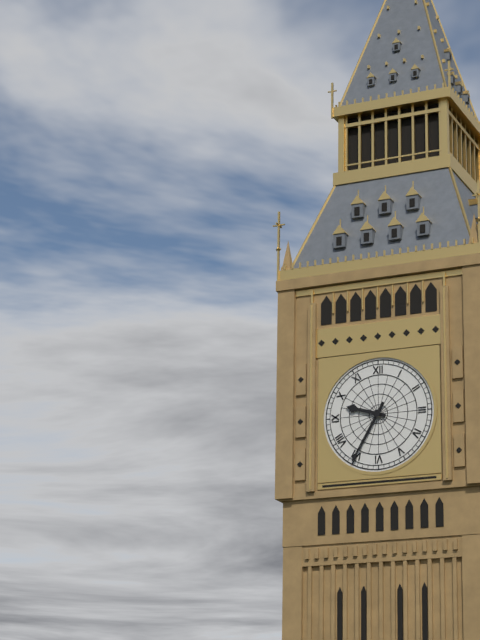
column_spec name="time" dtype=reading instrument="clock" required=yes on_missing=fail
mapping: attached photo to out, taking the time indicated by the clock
9:35
